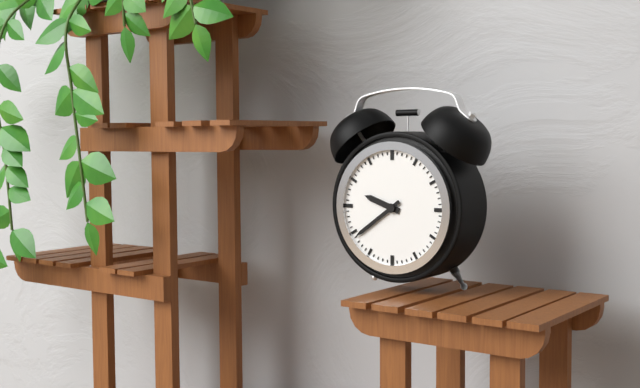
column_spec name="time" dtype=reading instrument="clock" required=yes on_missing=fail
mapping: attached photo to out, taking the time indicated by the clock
9:39
